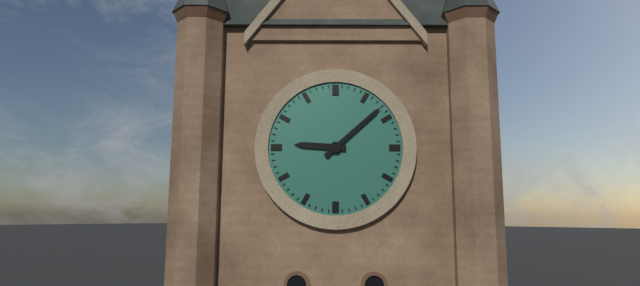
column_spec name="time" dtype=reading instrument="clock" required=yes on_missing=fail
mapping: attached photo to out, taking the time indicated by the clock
9:08
